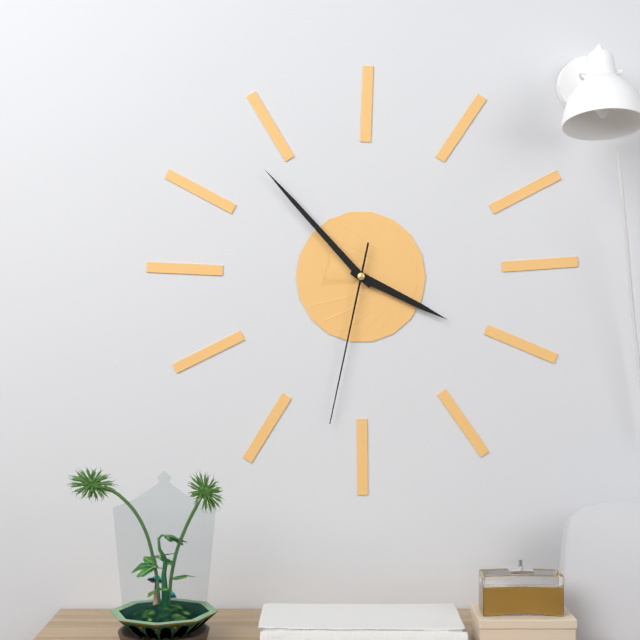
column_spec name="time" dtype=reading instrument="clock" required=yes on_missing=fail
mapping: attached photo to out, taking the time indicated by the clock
3:53:32
